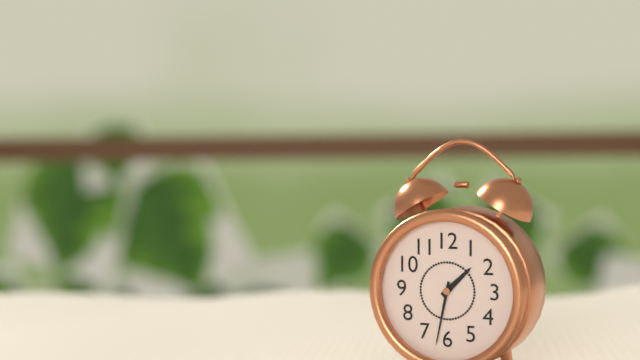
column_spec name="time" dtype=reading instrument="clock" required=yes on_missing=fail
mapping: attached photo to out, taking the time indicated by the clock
1:32
